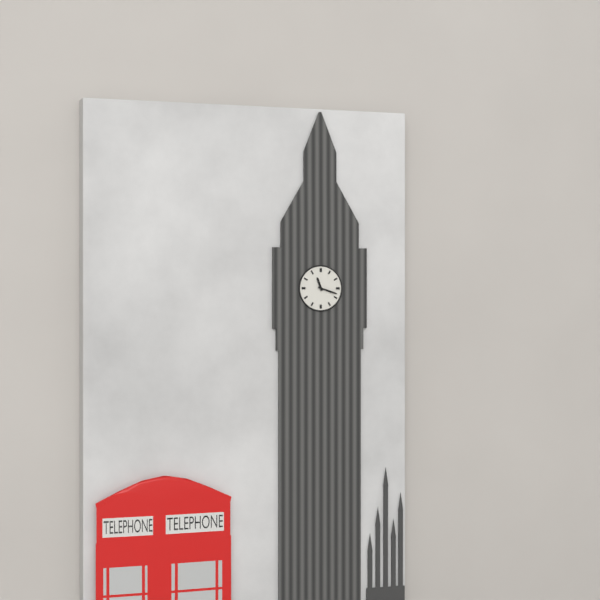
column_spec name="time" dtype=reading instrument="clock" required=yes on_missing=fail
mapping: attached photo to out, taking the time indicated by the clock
11:18
